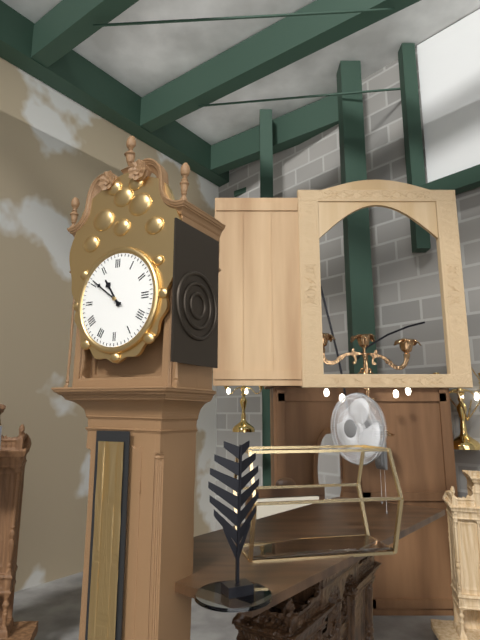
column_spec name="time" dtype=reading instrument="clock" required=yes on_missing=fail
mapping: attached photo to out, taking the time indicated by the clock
10:51
